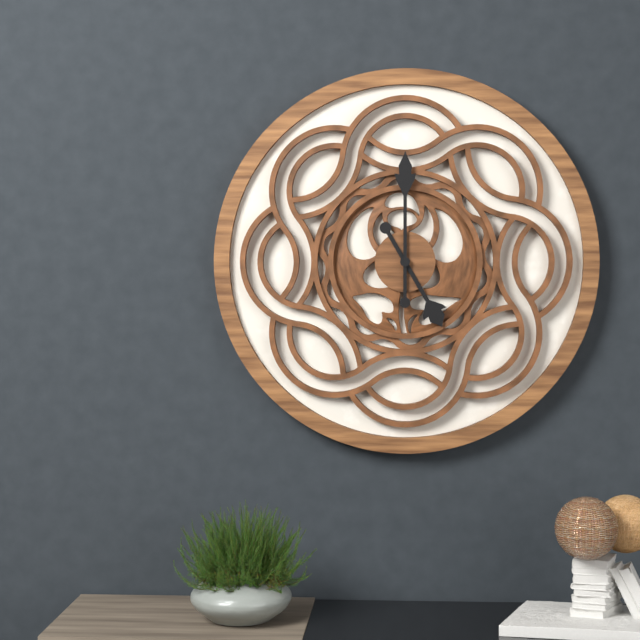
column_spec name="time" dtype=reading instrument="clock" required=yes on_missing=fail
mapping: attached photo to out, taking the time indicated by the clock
5:00
